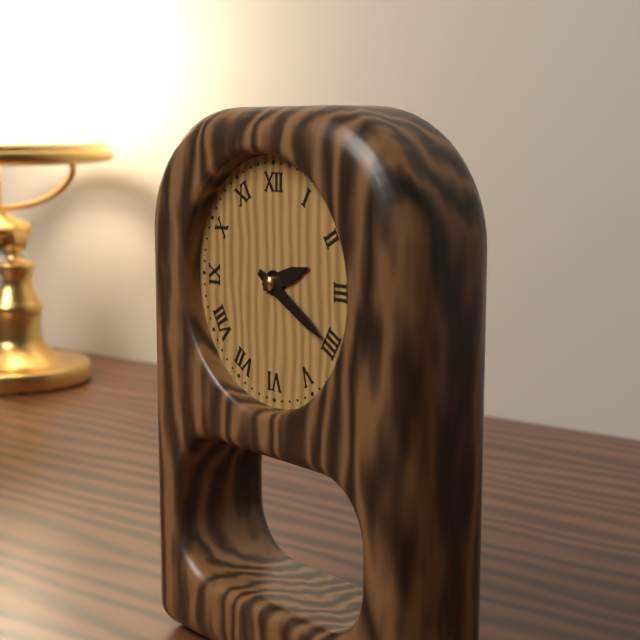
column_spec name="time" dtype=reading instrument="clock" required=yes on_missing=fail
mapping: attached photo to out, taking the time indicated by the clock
2:20
